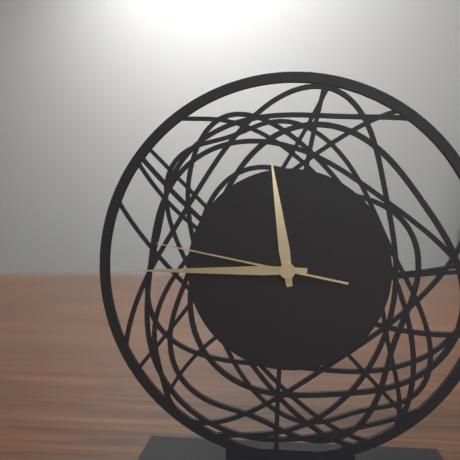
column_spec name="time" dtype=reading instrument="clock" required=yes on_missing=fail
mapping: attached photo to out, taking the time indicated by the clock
11:45:47
